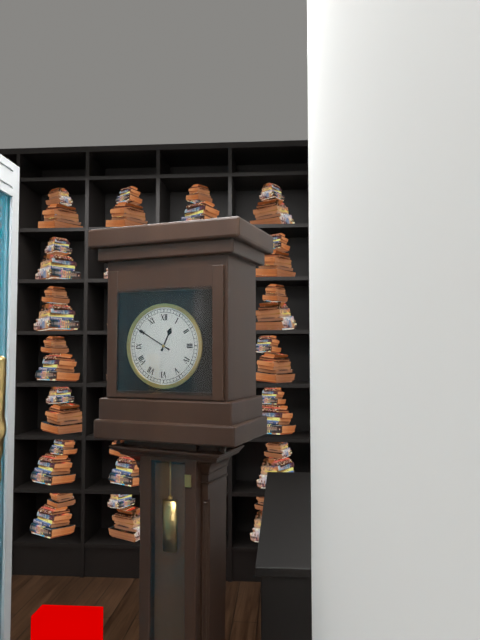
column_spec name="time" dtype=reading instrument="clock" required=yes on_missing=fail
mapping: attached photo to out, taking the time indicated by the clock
12:50
